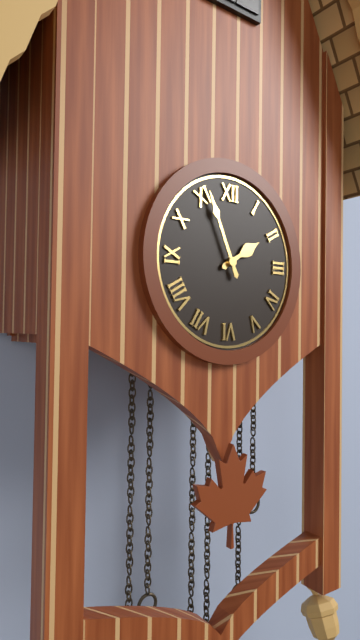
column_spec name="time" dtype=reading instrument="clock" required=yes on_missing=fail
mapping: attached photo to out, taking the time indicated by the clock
1:56
